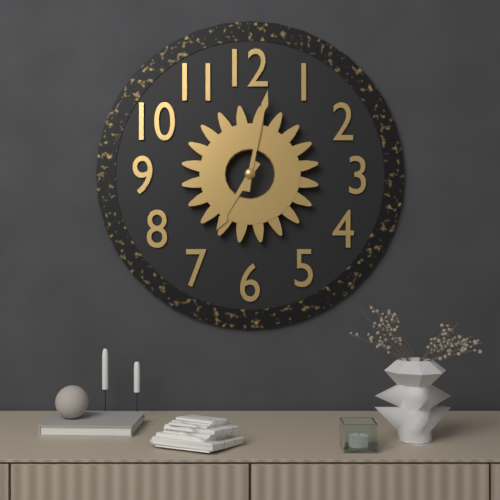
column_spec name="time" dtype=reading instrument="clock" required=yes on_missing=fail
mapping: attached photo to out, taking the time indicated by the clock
7:02
